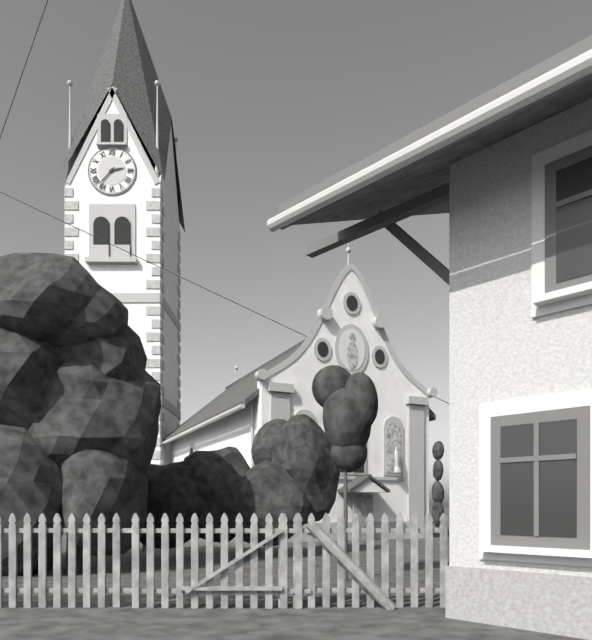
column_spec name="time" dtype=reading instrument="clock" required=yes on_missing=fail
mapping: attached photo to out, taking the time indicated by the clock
2:37
